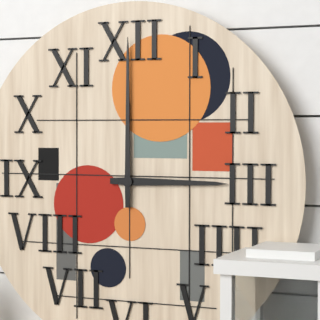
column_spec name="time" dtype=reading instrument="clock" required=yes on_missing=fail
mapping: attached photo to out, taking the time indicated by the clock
3:00
